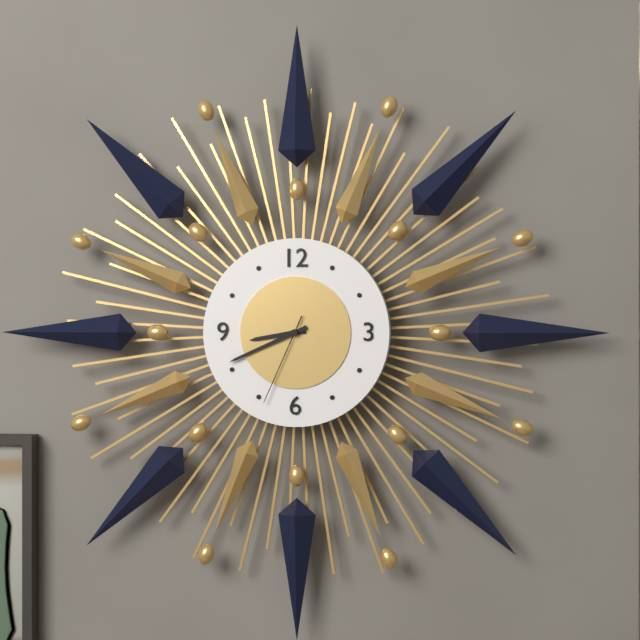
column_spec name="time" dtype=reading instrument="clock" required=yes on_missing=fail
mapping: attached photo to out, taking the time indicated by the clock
8:41:34
